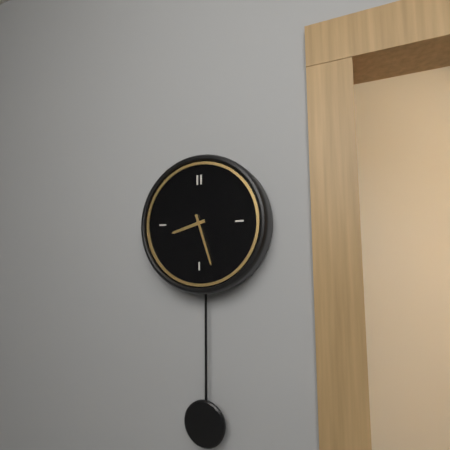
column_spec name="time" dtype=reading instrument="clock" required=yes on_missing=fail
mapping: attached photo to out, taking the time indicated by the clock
8:27
